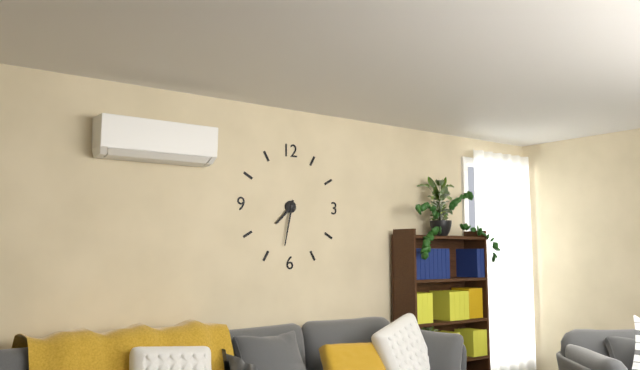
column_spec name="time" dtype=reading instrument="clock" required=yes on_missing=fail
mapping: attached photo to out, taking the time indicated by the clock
7:32
